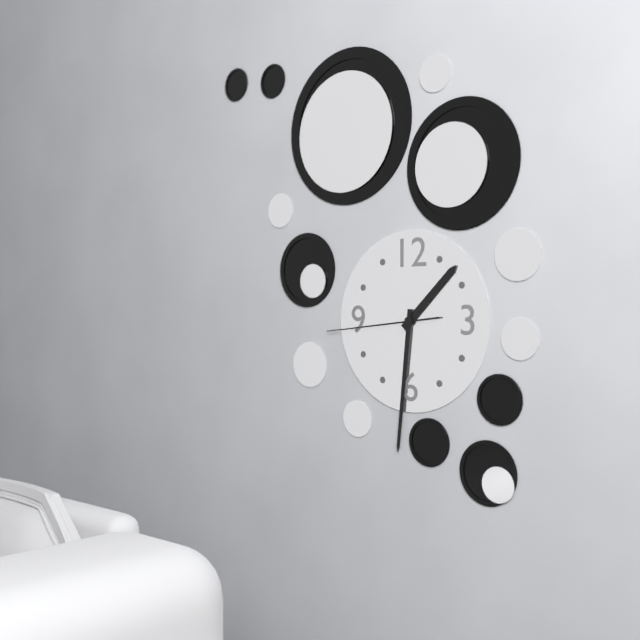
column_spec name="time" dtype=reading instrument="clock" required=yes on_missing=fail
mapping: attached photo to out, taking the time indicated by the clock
1:31:44
